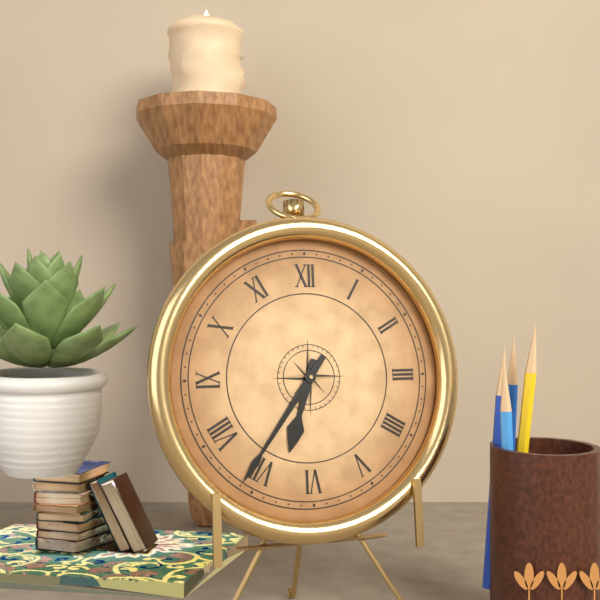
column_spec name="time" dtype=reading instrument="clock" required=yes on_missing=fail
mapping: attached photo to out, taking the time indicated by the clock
6:36
